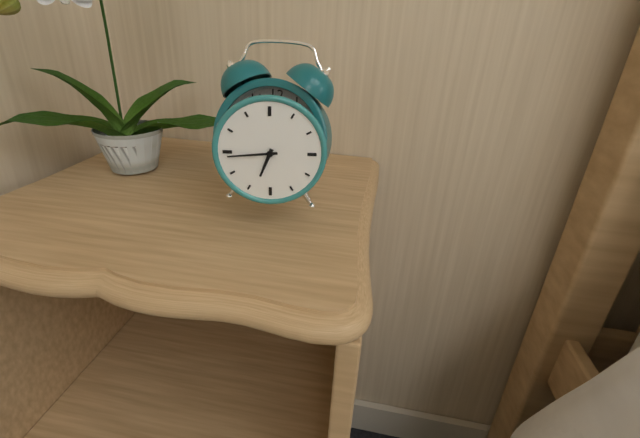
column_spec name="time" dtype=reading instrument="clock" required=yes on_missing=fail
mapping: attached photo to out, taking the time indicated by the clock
6:44
